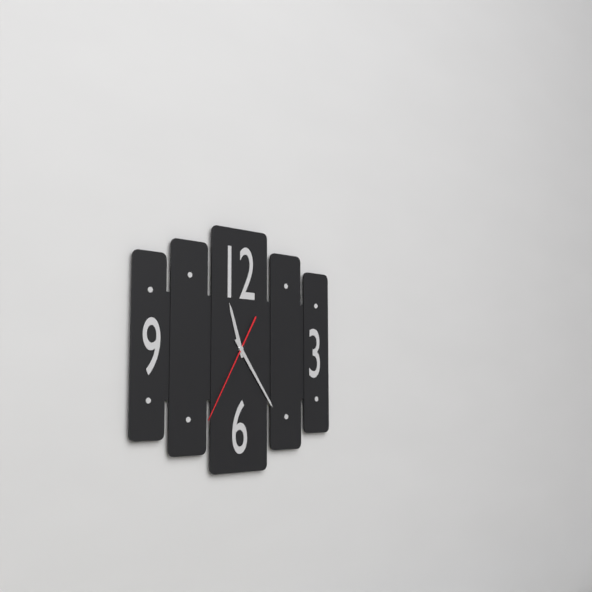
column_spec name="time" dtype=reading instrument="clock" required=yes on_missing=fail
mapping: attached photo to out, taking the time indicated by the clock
11:24:35
